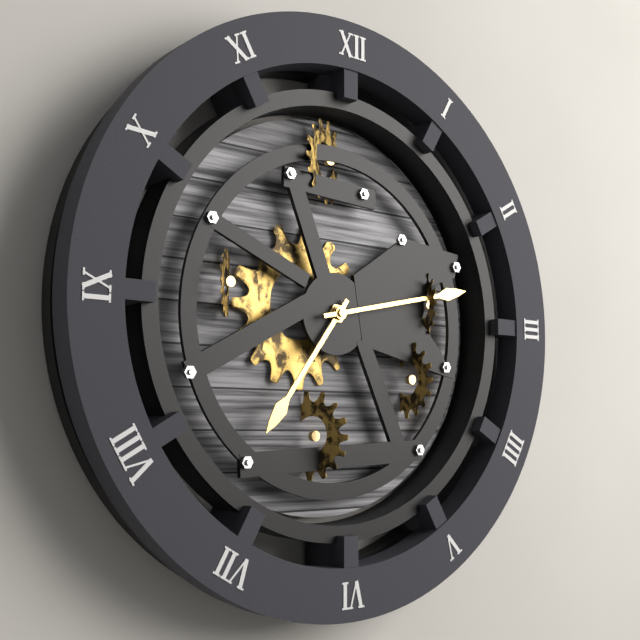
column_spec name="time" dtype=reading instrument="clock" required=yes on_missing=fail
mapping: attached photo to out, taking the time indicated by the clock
7:13
